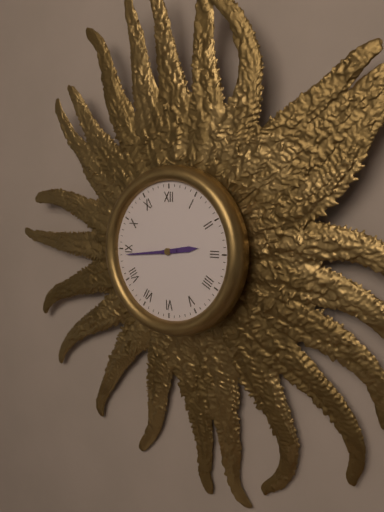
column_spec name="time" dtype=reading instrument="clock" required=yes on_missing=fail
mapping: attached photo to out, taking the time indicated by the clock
2:44
